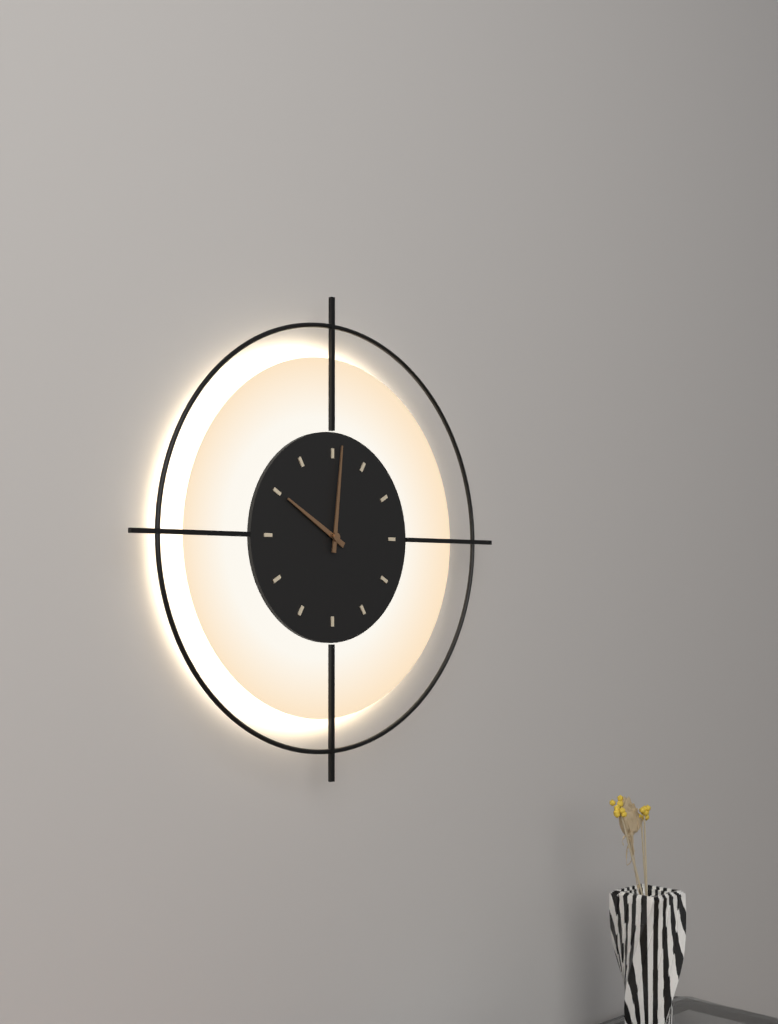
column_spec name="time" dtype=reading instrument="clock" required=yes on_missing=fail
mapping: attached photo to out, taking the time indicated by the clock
10:01
